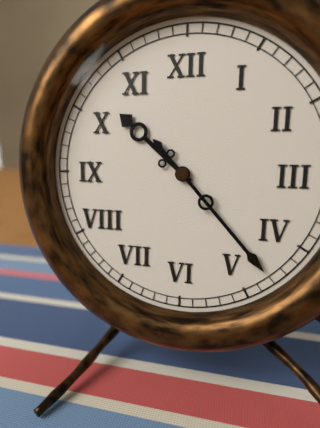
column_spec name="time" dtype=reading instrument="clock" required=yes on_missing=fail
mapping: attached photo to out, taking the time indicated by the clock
10:23
